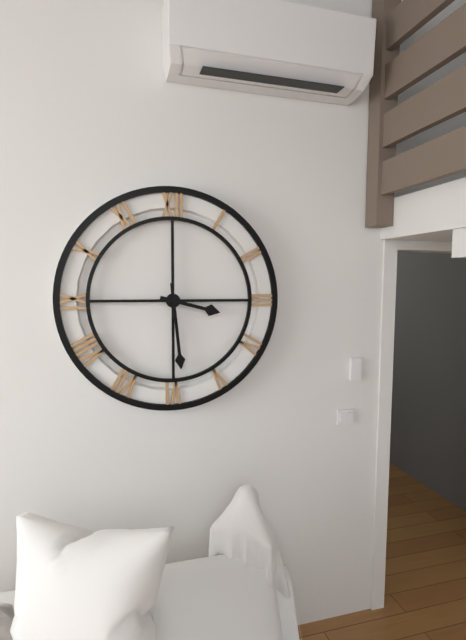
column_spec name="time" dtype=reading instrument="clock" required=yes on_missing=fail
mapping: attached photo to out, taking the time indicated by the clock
3:29
